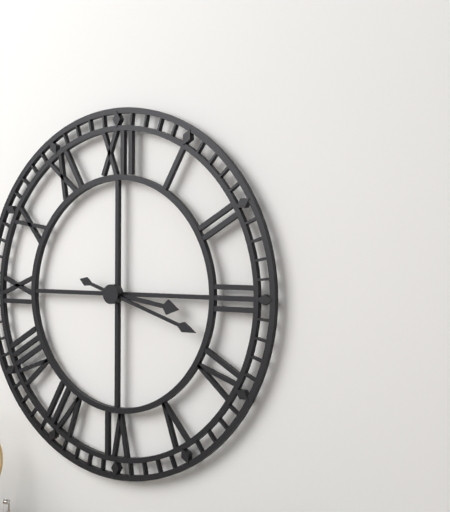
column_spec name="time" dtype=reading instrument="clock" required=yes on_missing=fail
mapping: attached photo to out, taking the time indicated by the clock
3:18
